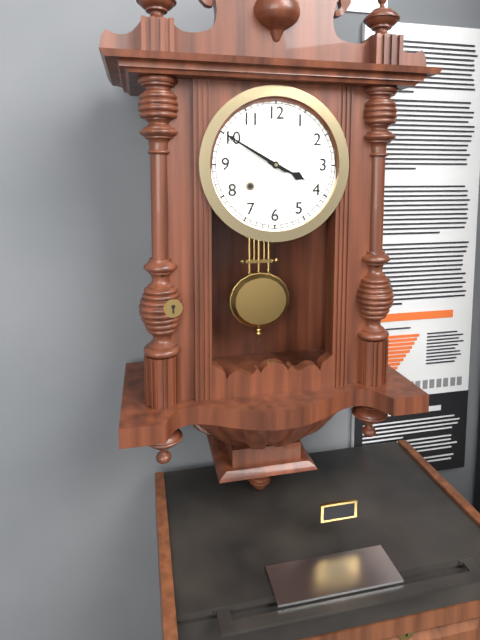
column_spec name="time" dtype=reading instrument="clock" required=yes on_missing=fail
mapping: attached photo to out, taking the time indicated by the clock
3:50
